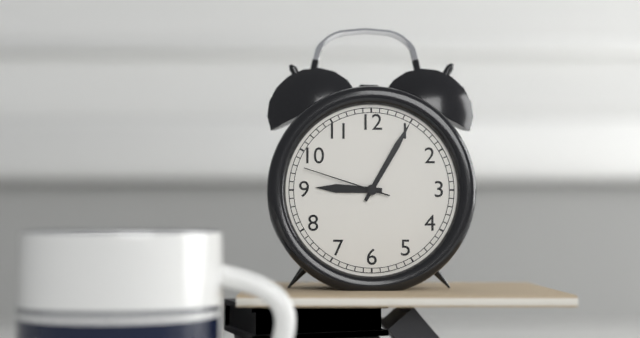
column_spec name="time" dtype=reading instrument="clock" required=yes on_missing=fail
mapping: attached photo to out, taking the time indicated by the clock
9:05:48
